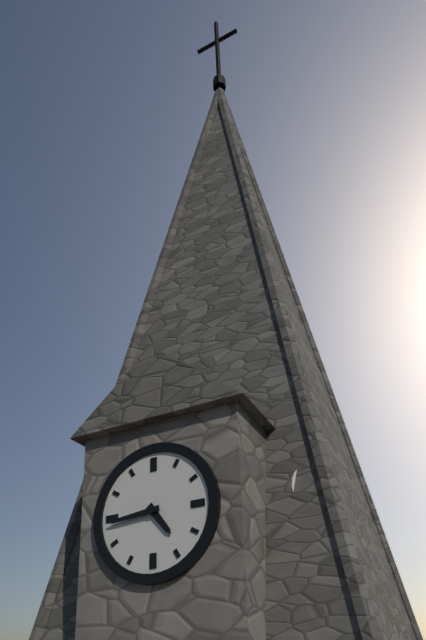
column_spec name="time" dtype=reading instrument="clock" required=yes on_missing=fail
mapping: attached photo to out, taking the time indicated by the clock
4:44
